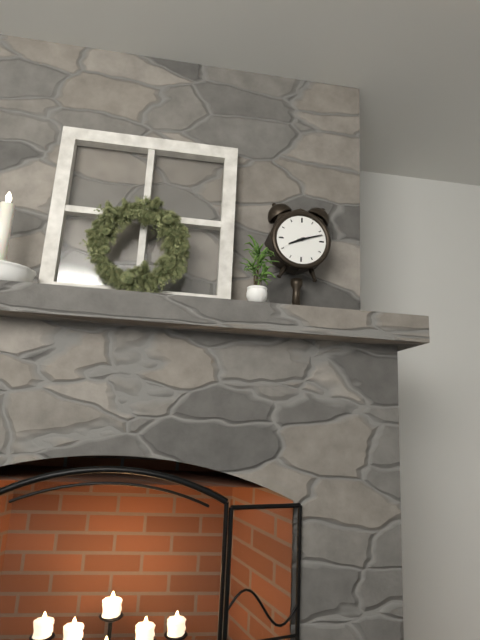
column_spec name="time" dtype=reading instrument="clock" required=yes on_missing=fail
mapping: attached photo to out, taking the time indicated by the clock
8:12
